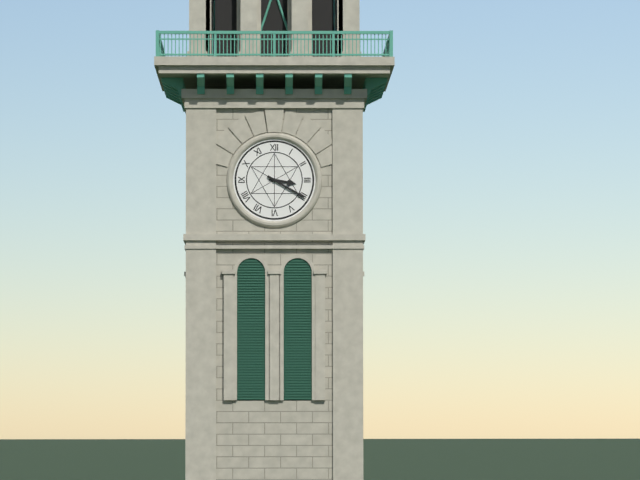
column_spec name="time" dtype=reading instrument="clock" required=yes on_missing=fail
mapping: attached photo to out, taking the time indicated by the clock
3:20
